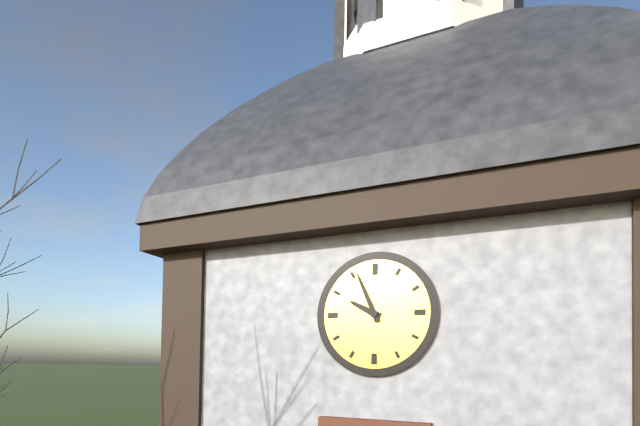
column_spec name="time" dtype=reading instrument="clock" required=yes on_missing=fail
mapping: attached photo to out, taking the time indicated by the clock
9:56
